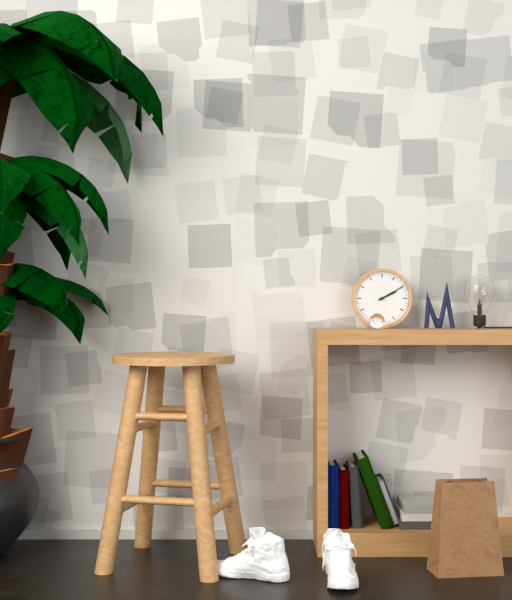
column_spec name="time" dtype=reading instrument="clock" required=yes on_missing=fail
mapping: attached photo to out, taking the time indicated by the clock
2:10
